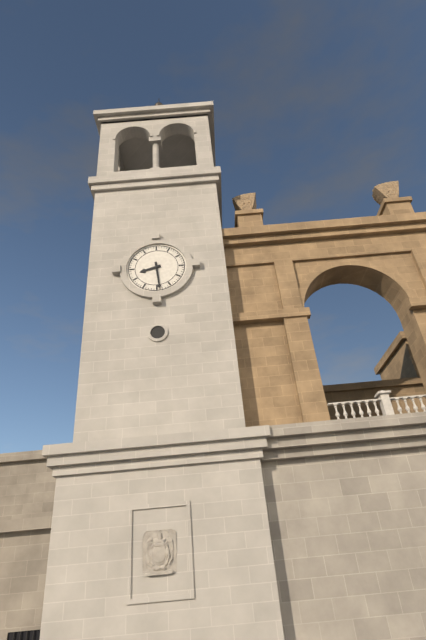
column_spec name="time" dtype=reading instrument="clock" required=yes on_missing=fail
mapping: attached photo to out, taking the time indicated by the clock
8:29
